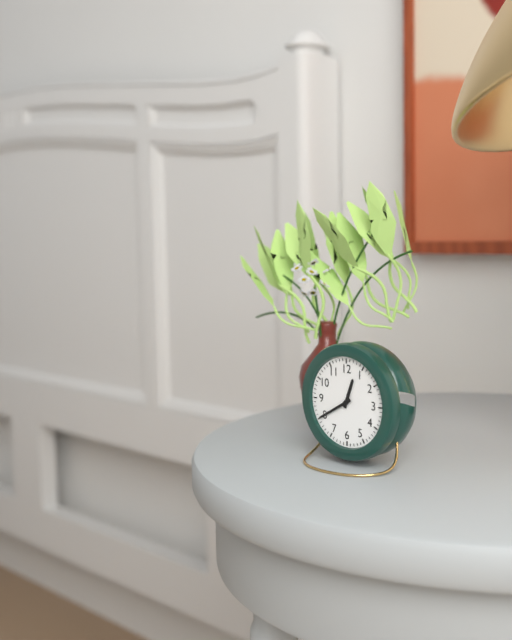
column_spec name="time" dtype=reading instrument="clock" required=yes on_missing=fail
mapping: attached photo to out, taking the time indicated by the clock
12:40
